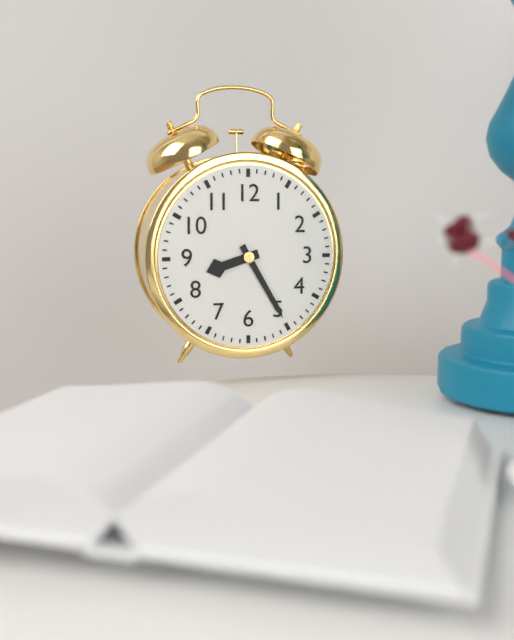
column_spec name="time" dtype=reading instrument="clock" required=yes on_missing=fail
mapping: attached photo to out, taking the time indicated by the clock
8:25
